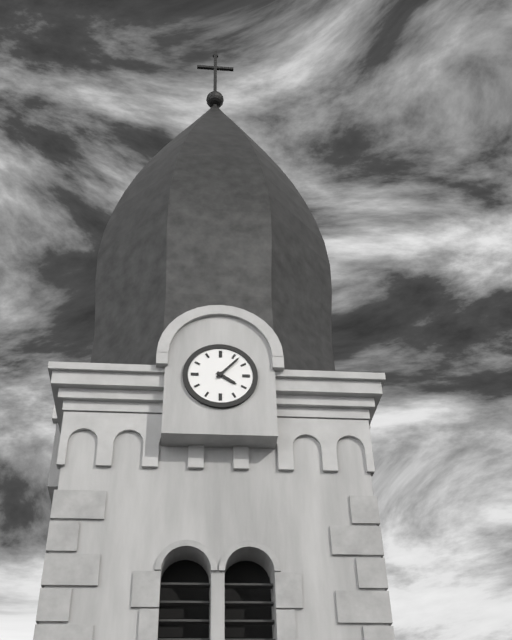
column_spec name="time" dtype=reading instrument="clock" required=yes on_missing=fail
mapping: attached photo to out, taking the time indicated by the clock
4:07
